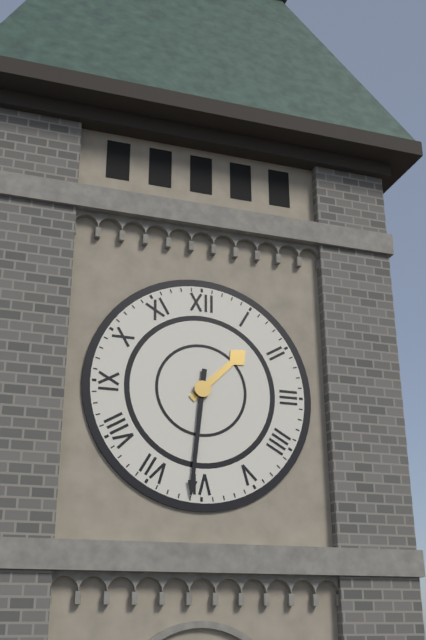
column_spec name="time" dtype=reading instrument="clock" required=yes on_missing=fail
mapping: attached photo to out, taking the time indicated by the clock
1:31
